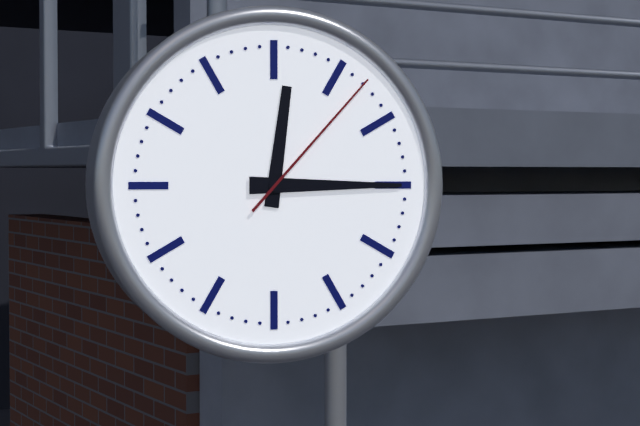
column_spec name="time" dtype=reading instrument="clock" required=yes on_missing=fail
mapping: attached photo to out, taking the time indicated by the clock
12:15:07
